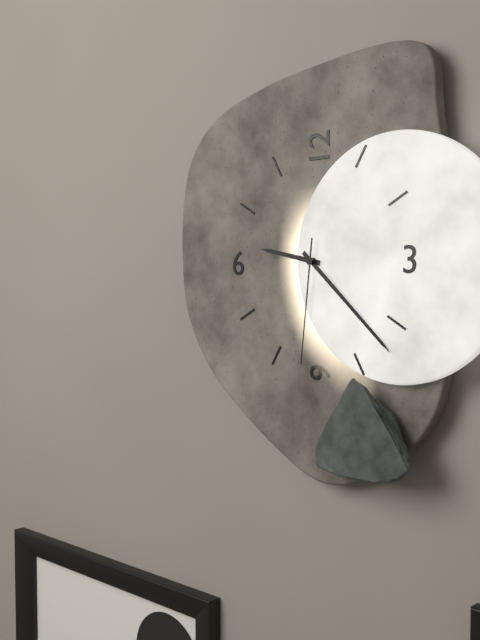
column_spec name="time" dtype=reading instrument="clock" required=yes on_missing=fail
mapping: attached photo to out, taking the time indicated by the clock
9:22:31
